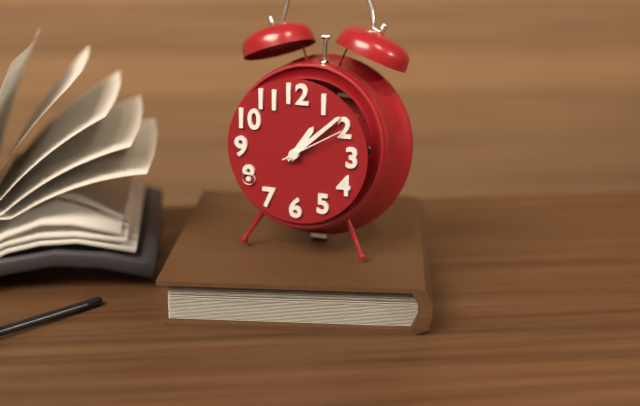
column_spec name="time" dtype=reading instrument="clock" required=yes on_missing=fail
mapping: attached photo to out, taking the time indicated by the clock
1:08:10
